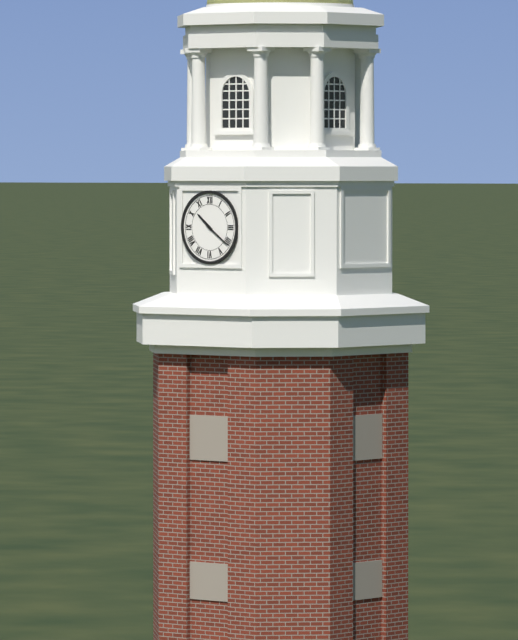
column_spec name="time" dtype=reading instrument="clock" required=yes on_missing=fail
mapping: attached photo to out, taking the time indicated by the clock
10:21
